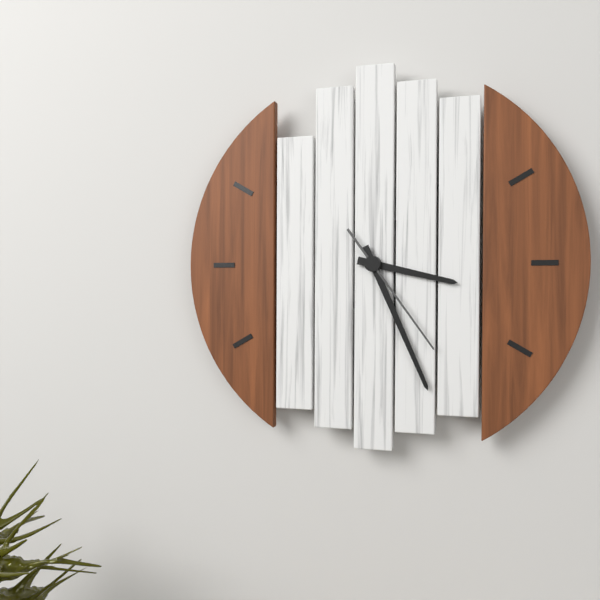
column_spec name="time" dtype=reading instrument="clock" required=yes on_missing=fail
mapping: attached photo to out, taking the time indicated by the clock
3:26:24
